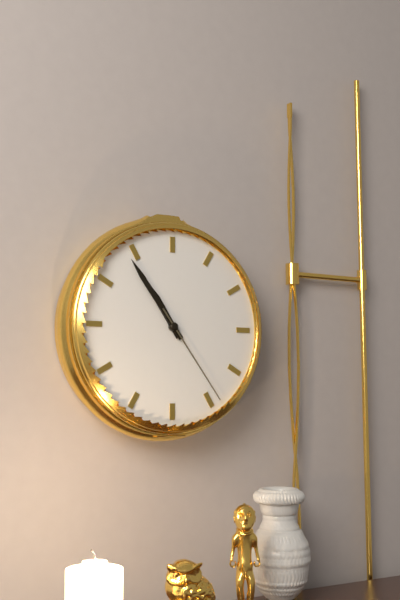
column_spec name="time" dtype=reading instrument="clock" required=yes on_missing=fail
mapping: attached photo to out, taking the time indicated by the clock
10:54:24
